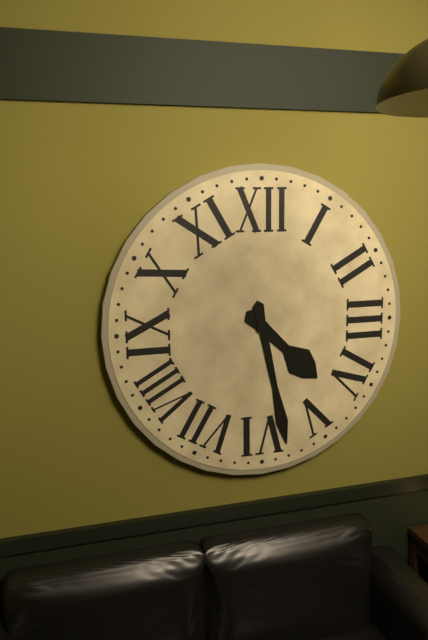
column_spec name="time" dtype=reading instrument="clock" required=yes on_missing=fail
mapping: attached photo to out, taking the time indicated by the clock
4:28
